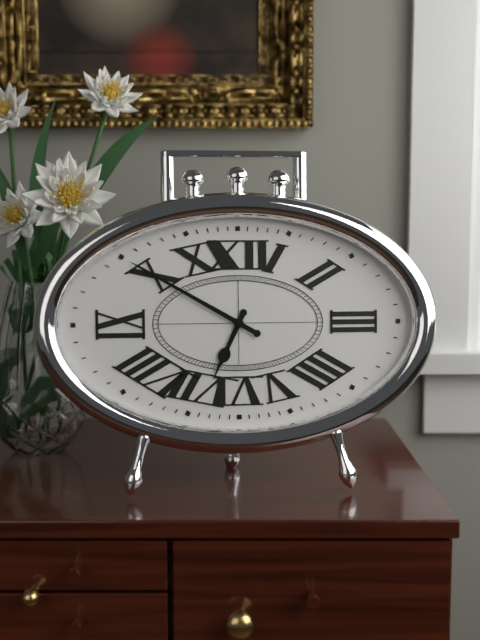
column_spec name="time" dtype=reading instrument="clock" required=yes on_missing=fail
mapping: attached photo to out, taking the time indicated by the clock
6:50
